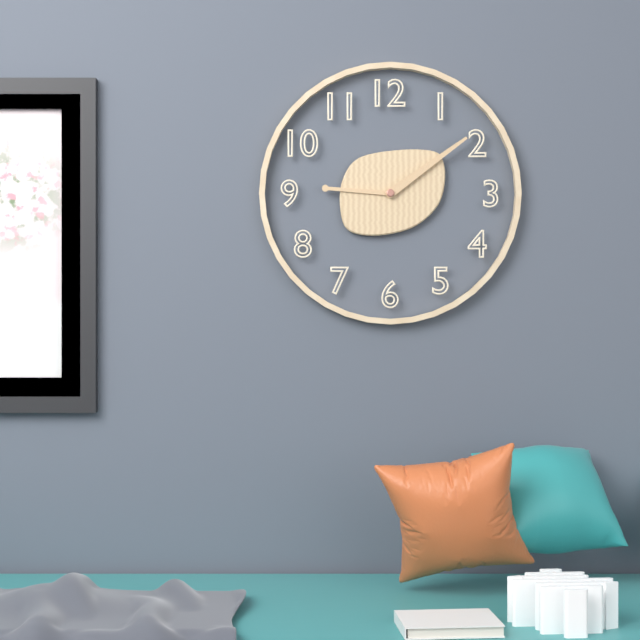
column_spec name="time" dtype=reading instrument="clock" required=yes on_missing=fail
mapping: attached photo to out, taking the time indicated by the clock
9:09
